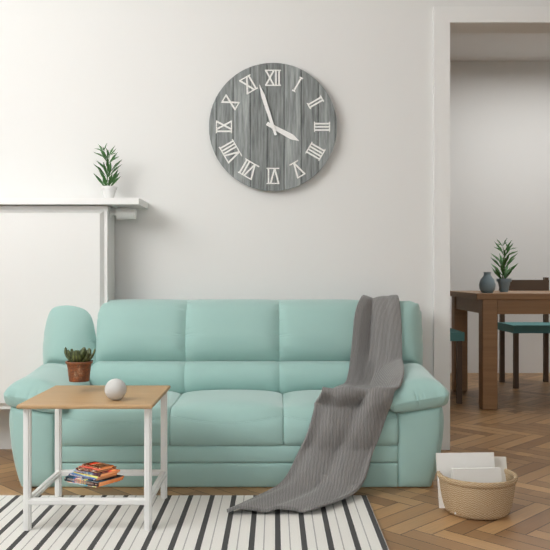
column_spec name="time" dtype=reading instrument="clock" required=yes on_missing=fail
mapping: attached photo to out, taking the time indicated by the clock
3:57
